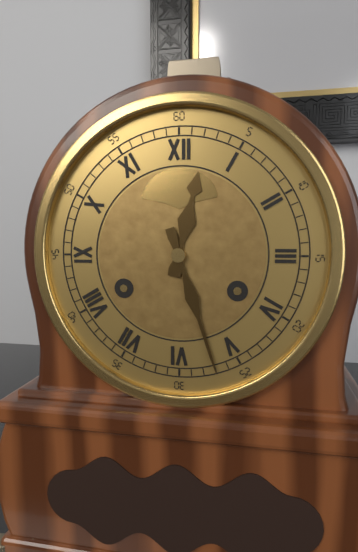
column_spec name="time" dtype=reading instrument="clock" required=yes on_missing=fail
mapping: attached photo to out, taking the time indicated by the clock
12:27
